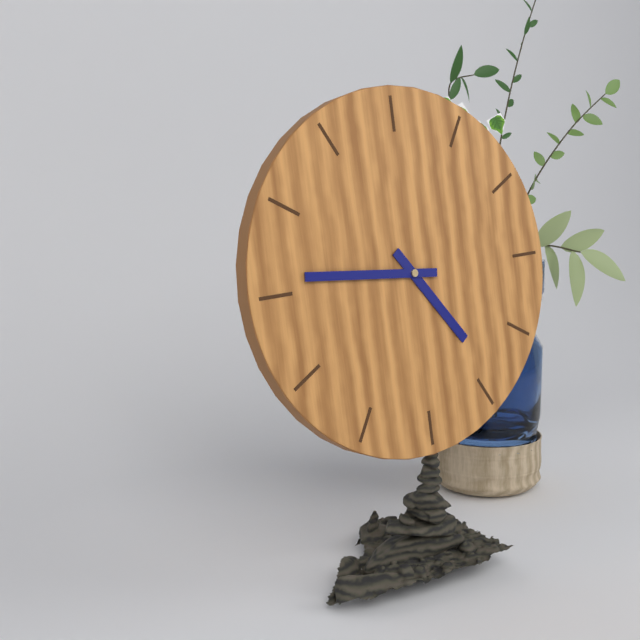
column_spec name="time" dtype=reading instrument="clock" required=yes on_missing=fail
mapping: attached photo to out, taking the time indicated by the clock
4:46
